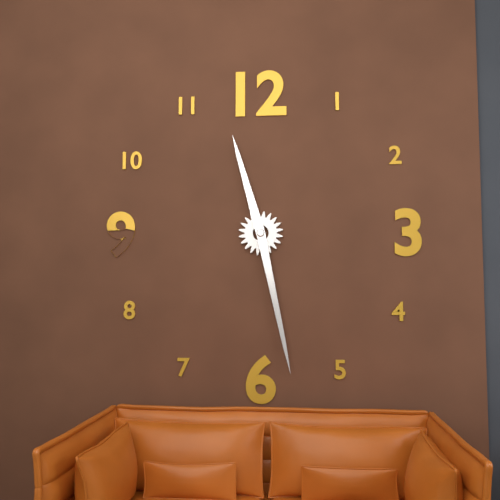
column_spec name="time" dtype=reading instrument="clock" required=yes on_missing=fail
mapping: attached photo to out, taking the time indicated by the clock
11:28
